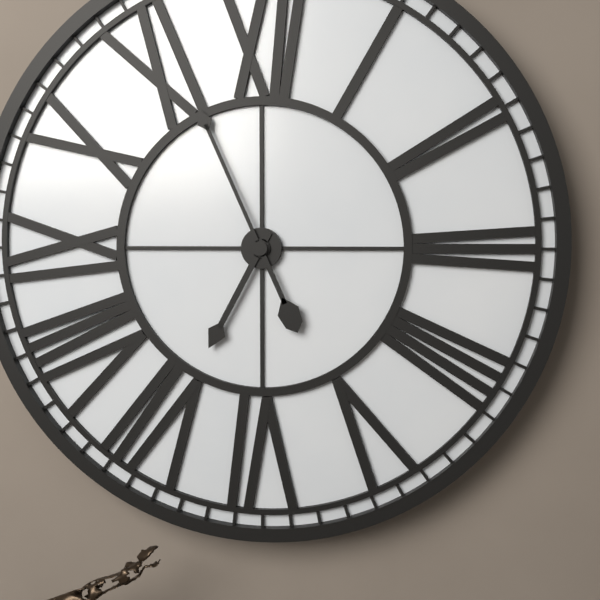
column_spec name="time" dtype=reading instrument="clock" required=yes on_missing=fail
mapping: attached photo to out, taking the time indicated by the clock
6:56
